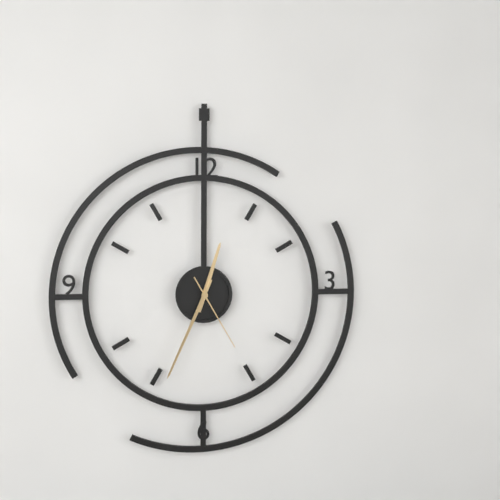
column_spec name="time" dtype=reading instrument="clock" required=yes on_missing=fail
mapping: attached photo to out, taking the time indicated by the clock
12:34:25
